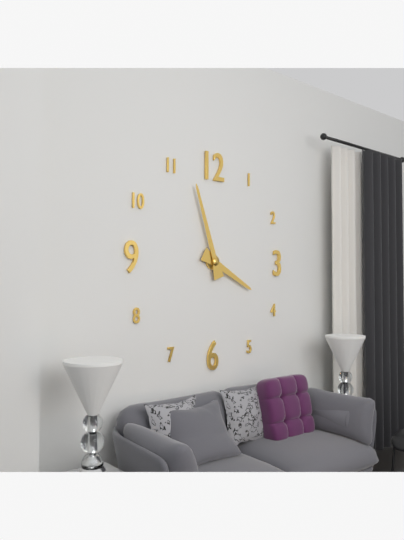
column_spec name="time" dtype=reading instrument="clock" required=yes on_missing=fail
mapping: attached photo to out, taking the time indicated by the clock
3:57
